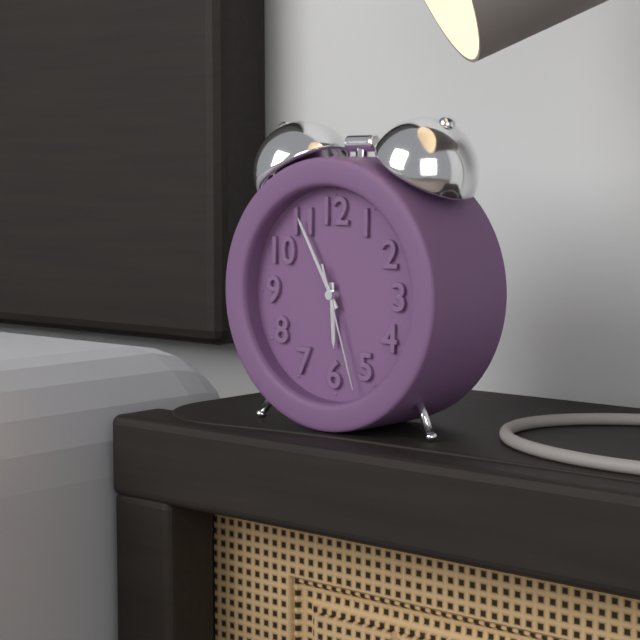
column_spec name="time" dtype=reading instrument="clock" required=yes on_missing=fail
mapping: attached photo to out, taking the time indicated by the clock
5:55:27
